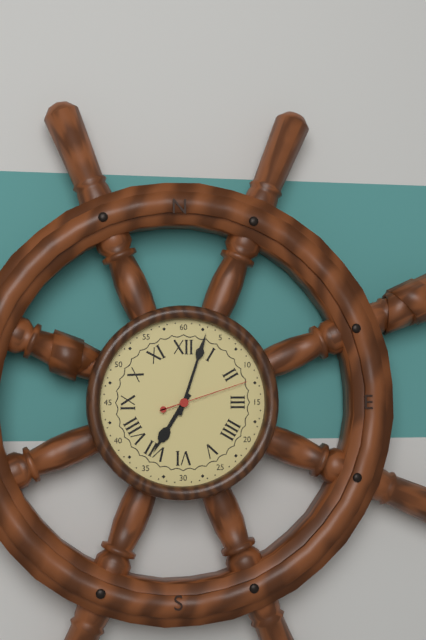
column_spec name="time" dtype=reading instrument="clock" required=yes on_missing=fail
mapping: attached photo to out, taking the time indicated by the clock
7:03:12
